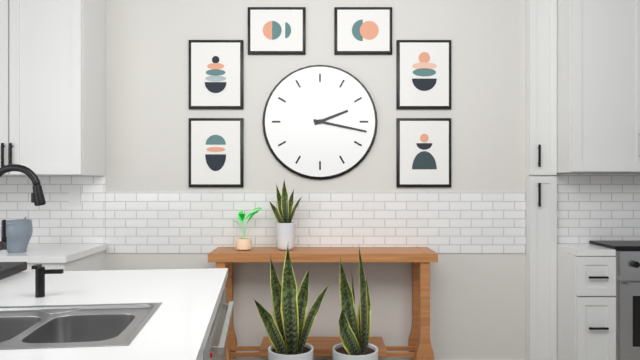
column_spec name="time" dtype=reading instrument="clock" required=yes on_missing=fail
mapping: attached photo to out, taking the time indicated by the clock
2:17
